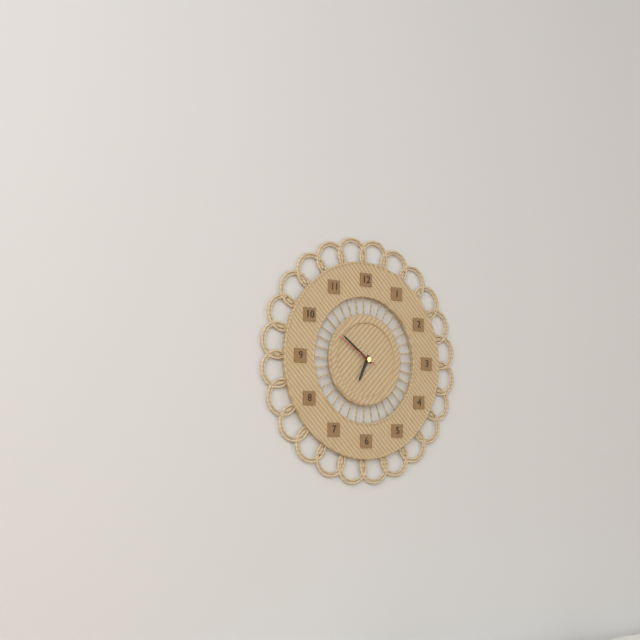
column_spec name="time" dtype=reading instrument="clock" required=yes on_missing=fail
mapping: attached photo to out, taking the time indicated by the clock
6:51
